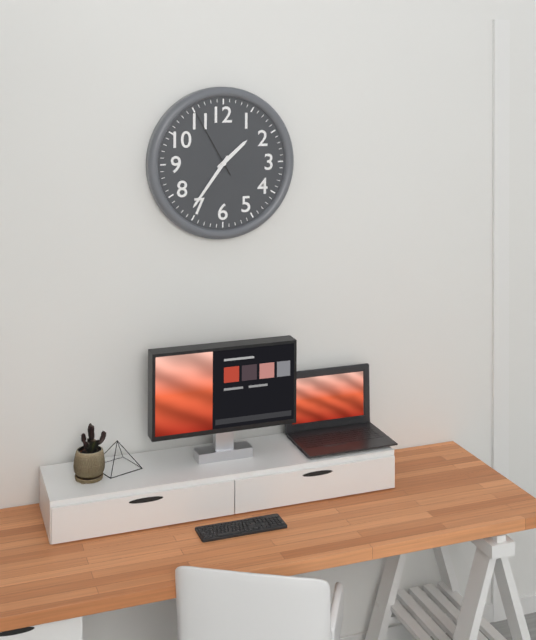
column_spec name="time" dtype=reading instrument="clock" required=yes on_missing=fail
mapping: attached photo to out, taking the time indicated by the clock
1:36:55
